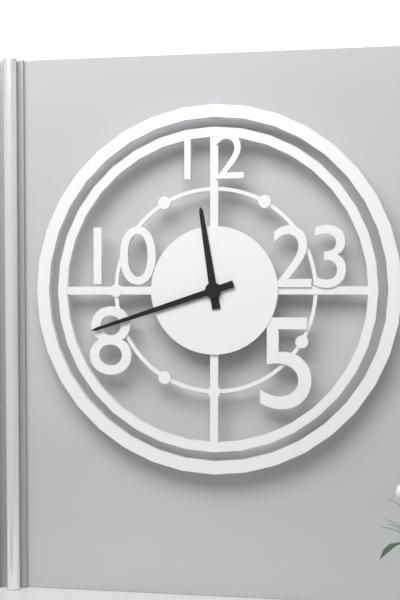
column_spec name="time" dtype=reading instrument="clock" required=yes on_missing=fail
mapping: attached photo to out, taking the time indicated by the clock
11:42
